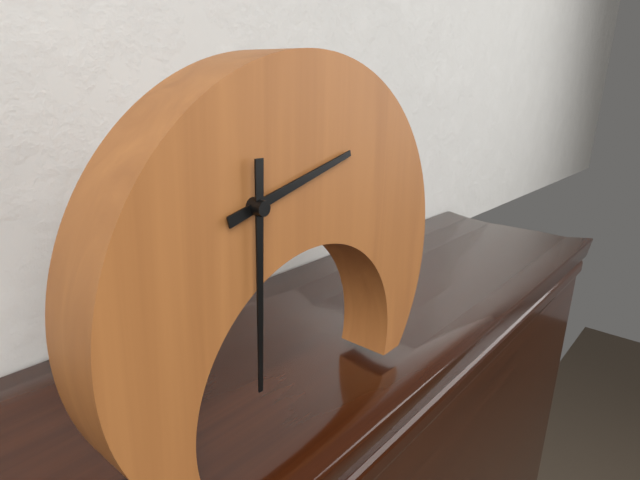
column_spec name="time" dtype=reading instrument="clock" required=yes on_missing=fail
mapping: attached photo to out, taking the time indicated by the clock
2:30
